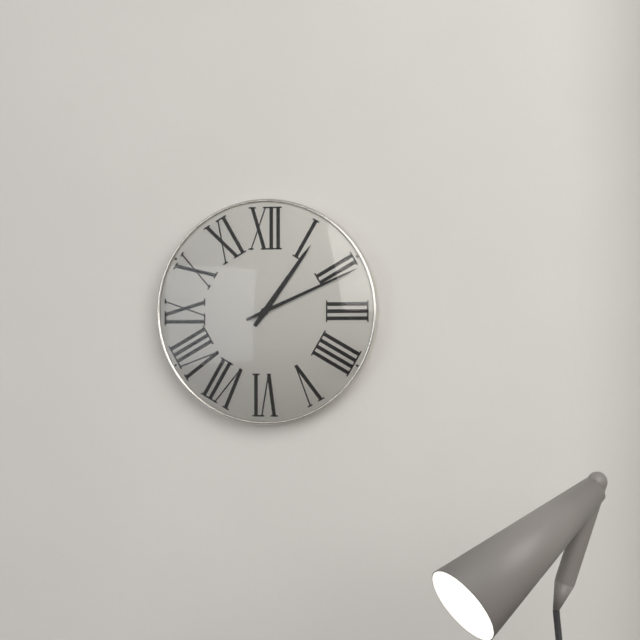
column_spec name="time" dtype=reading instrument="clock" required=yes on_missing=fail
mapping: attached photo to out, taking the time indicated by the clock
1:11
